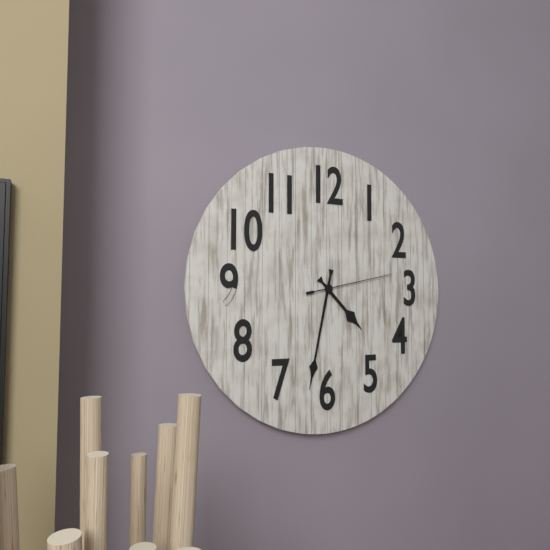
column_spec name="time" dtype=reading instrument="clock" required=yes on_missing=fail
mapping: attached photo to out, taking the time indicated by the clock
4:32:13
